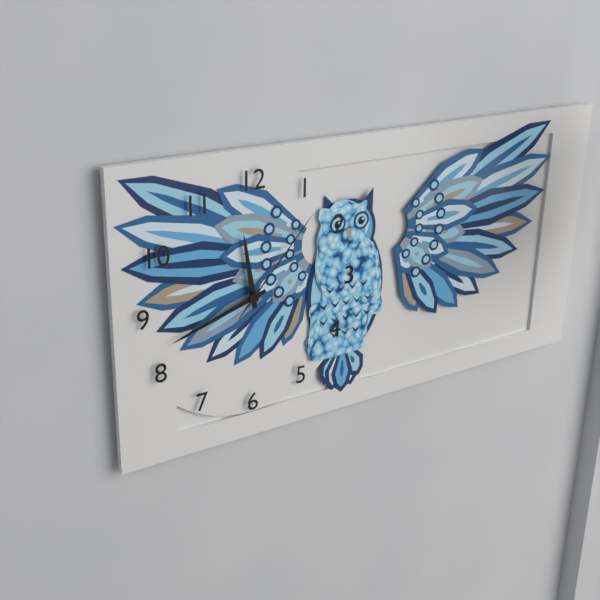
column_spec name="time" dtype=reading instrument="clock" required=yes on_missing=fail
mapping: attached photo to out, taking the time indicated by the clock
11:42:07
